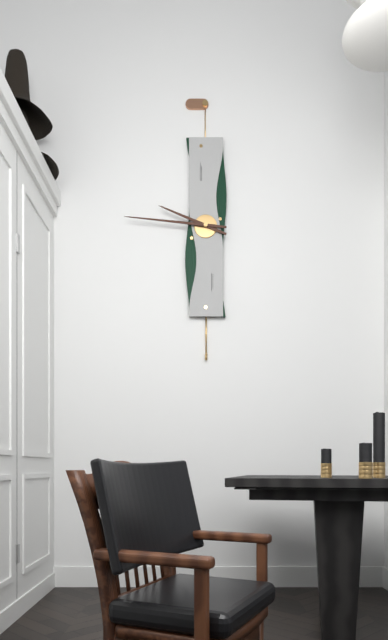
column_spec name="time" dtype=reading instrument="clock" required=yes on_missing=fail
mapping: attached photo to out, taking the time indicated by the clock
9:46
